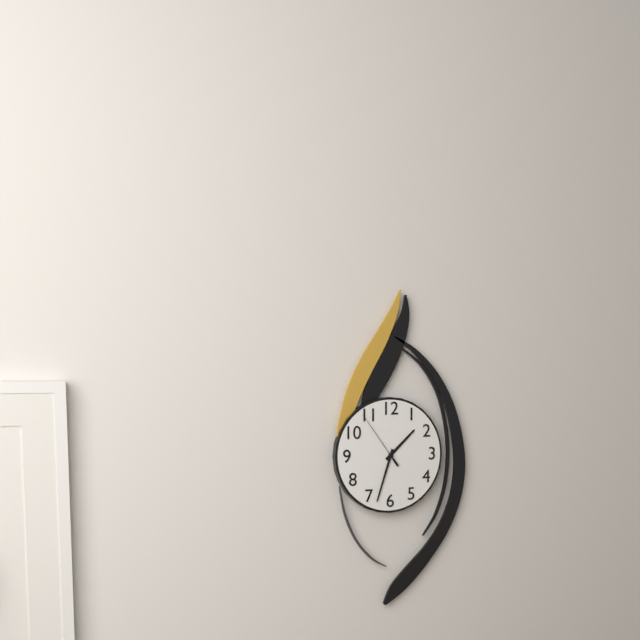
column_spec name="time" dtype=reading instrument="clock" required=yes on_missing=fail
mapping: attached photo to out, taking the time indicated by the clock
1:33:54
